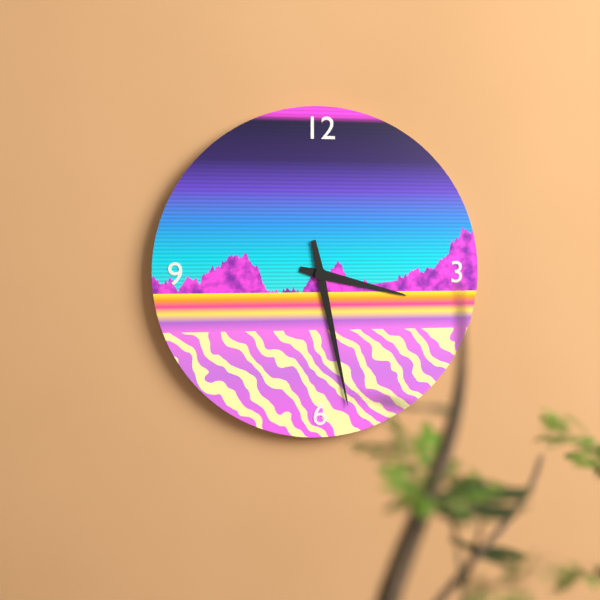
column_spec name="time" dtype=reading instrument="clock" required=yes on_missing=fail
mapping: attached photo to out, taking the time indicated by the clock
3:28
